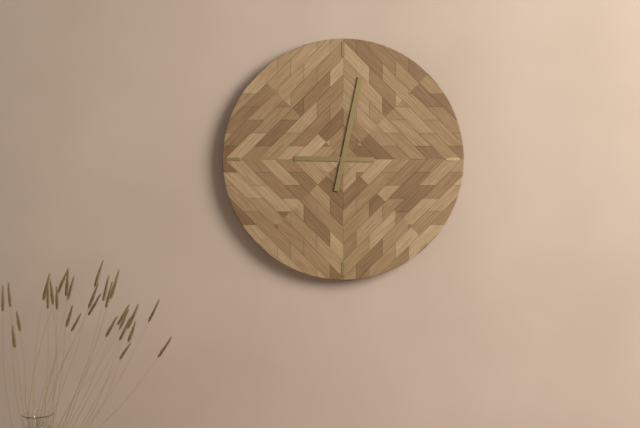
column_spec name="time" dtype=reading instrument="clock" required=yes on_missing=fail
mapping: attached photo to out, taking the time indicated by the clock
9:02
